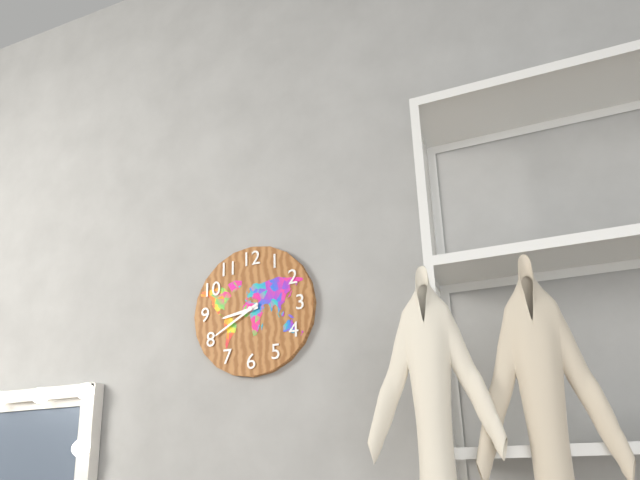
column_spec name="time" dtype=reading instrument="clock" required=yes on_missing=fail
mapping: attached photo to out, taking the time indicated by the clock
8:40
